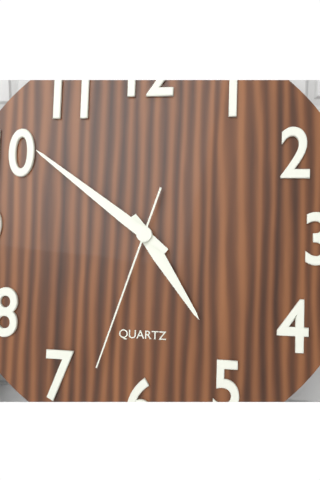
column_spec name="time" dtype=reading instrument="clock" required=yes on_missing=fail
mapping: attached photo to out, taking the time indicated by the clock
4:51:33
